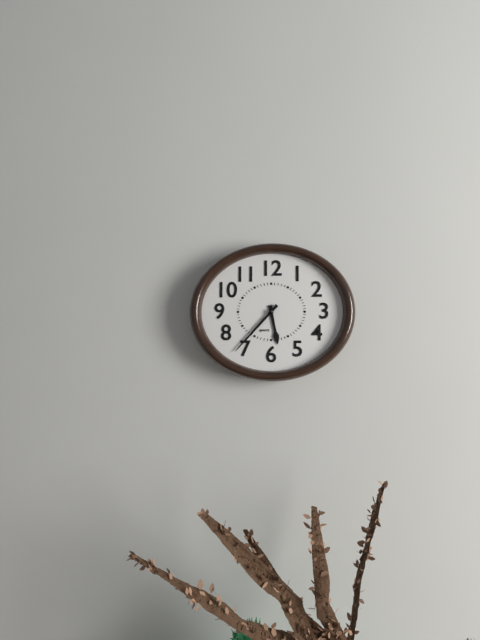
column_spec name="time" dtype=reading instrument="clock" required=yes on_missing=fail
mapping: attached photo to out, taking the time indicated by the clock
5:37
